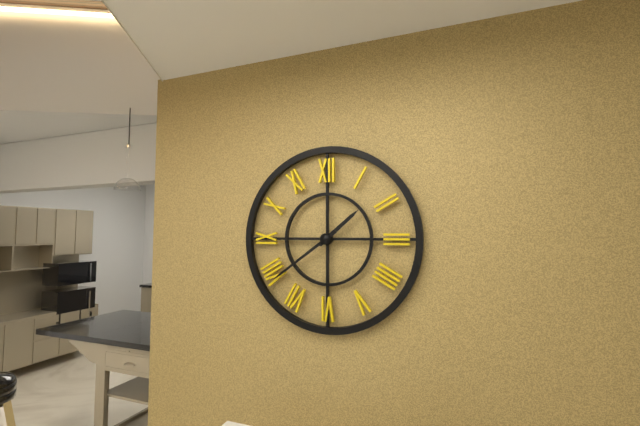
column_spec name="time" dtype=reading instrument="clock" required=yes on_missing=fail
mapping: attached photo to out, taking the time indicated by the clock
1:39
